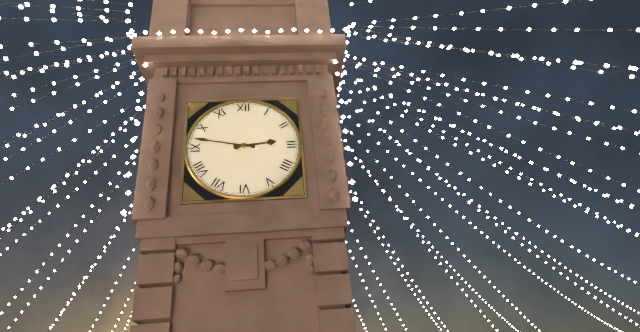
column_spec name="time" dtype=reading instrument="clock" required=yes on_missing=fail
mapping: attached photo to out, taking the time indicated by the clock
2:47
